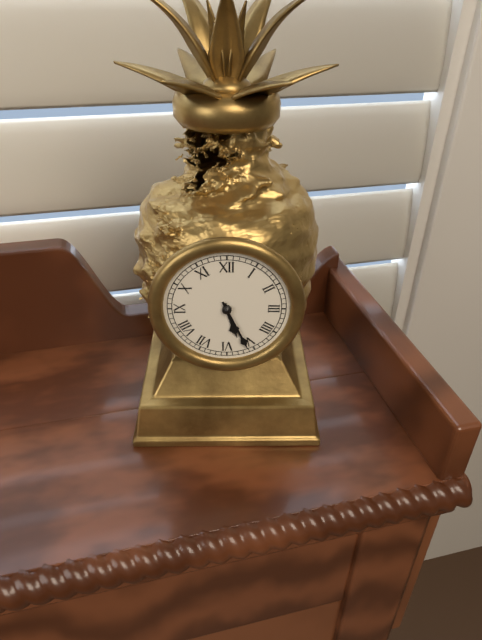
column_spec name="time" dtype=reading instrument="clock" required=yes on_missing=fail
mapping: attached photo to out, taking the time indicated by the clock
5:26
